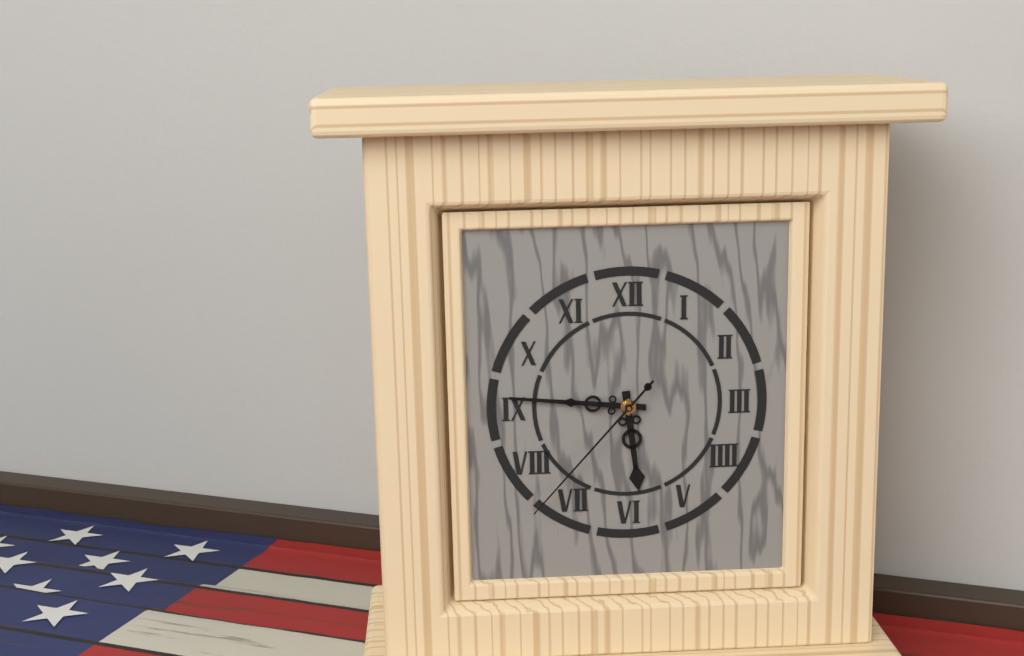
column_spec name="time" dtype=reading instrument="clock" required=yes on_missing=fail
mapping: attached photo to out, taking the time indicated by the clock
5:46:37
